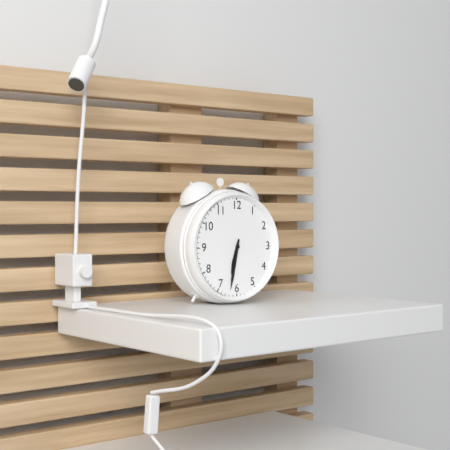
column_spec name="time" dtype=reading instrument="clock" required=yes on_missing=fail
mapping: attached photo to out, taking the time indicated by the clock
6:32
